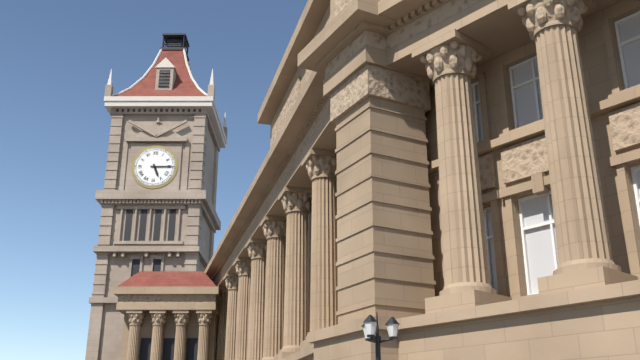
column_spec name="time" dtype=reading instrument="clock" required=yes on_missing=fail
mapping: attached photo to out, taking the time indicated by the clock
5:15
